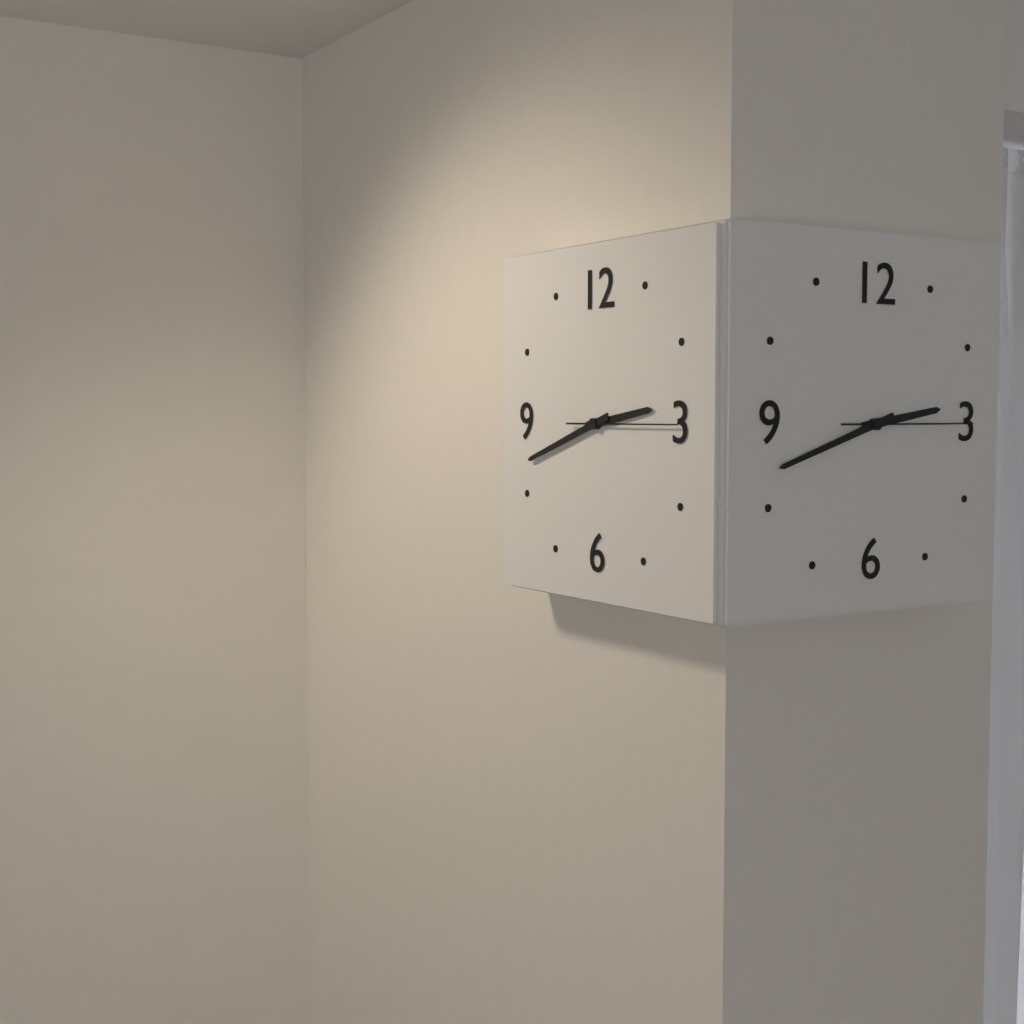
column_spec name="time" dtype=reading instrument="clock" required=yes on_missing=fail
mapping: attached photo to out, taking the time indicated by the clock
2:42:15
